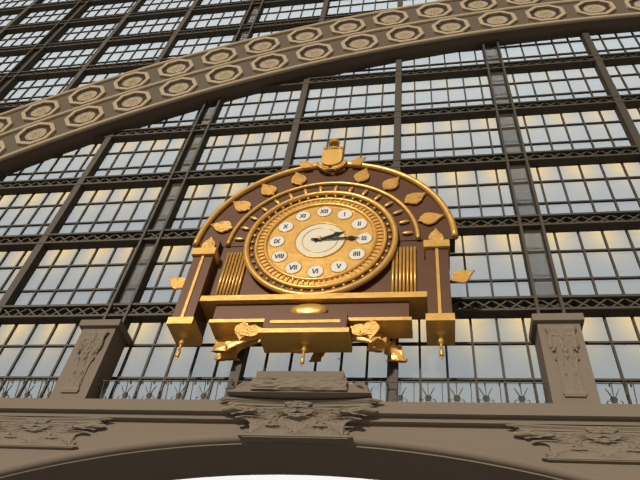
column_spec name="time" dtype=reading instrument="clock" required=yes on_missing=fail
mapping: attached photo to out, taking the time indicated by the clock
2:15
